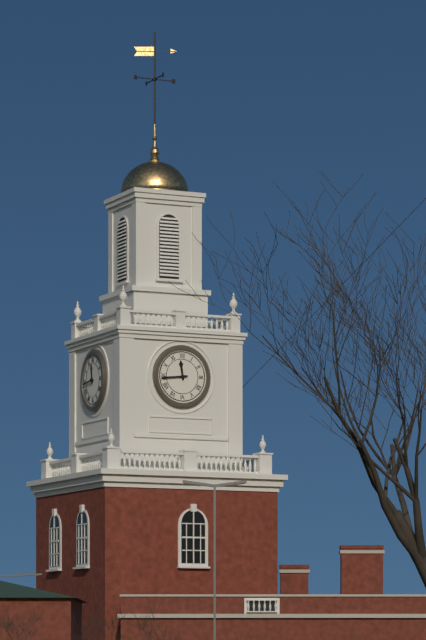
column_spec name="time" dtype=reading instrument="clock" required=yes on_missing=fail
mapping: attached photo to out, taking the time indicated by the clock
11:44
